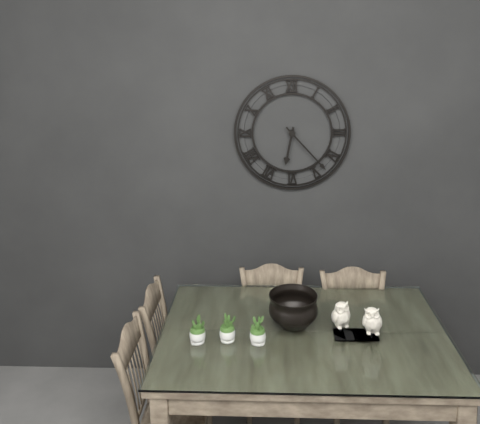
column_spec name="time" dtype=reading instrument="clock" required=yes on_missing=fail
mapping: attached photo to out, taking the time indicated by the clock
6:23
